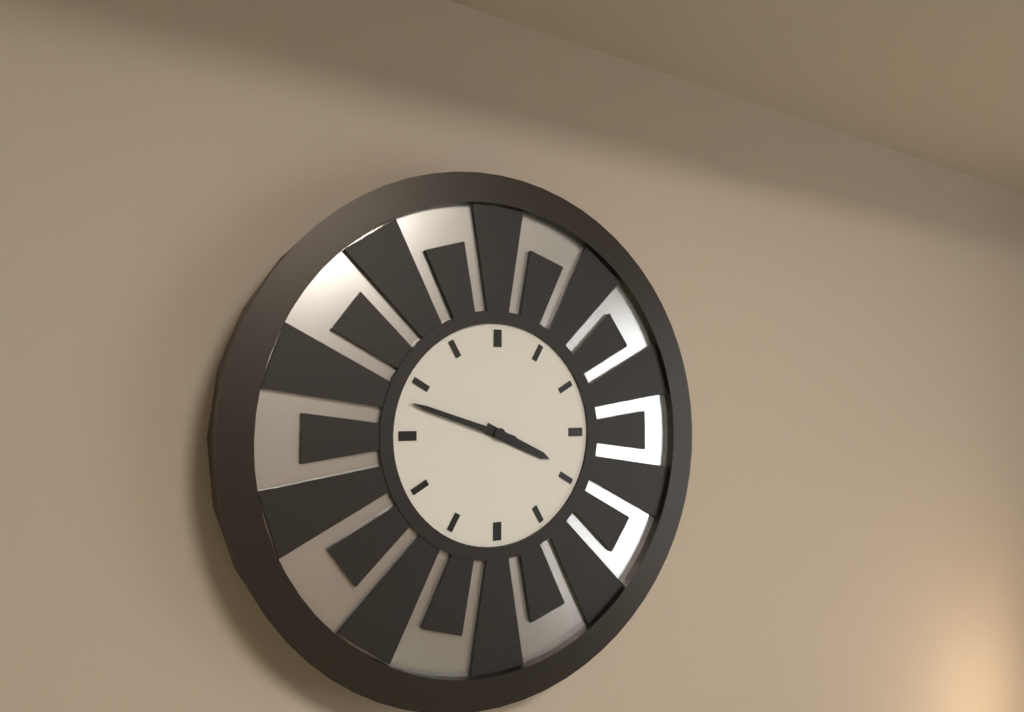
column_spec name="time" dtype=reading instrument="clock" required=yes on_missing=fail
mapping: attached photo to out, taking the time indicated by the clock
3:48
